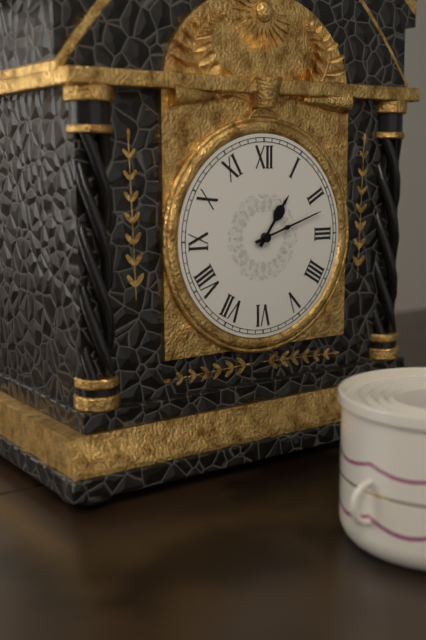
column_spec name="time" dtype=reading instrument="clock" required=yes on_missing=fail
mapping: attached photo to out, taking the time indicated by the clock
1:12
